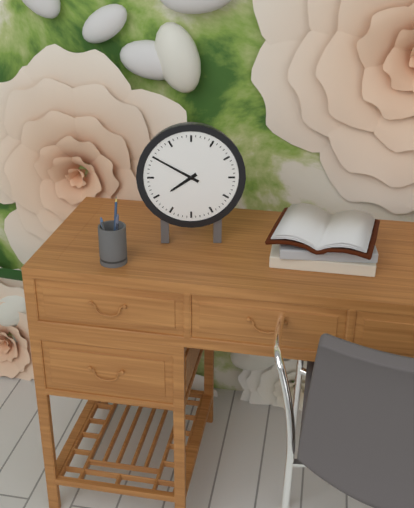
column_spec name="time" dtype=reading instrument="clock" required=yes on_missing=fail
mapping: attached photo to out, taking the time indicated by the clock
7:50
